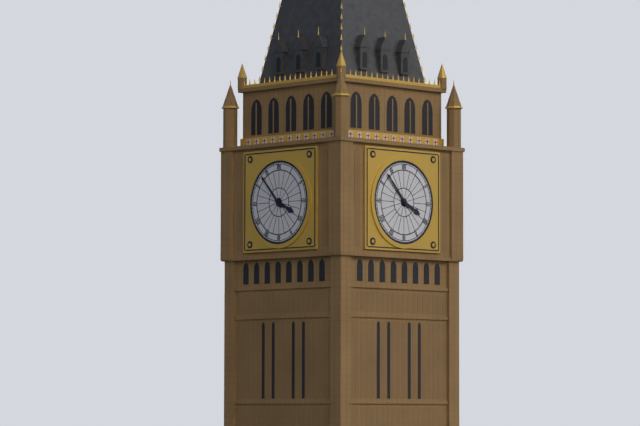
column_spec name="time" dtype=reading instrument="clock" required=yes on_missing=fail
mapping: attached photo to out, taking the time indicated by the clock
3:53
